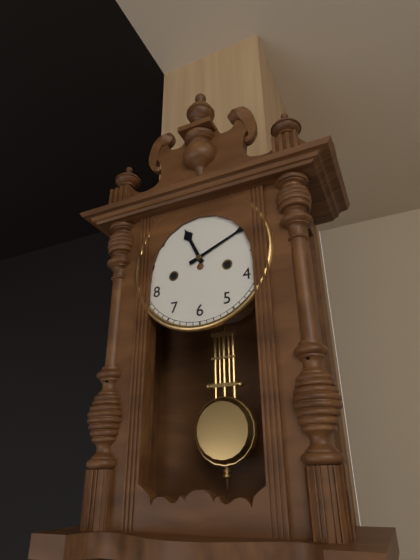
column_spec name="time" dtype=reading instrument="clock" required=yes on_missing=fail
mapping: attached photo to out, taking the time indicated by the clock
11:11
